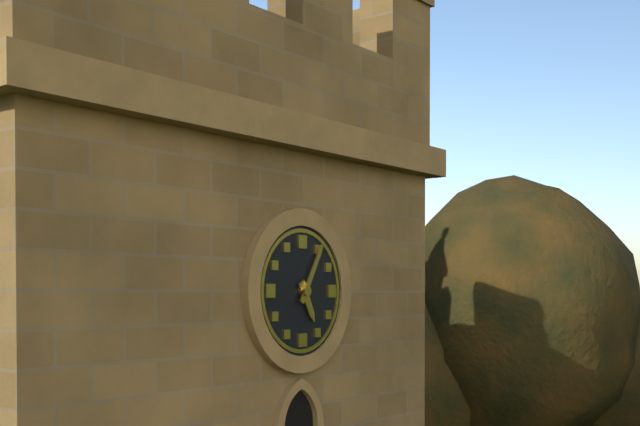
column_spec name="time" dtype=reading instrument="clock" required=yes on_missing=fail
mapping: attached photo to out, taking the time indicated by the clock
5:05
